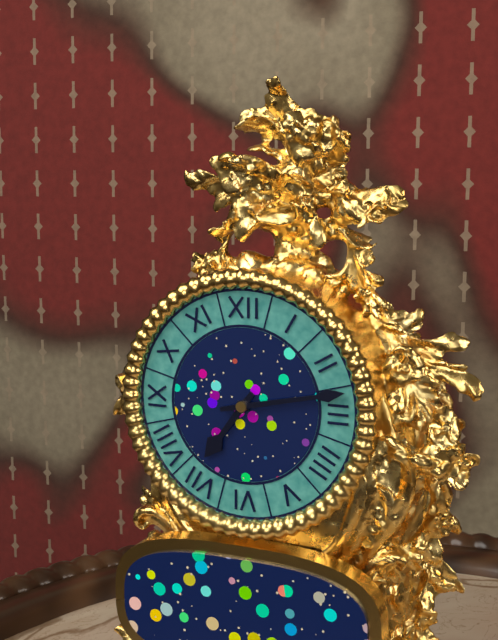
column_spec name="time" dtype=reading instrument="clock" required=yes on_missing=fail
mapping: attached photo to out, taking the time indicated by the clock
7:13
